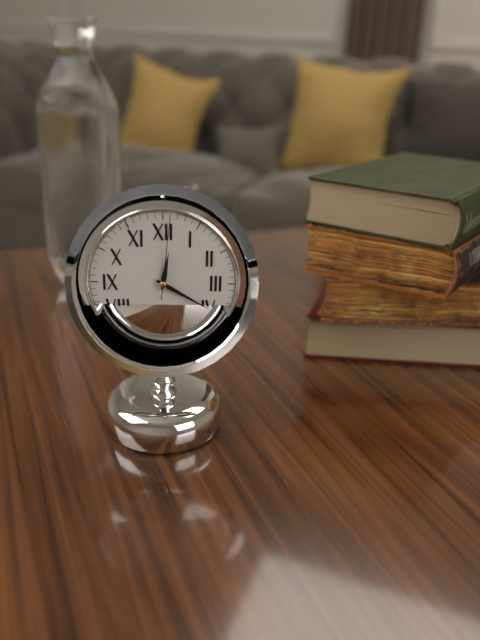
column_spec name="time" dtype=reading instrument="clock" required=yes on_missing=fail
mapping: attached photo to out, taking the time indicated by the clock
12:20:01
